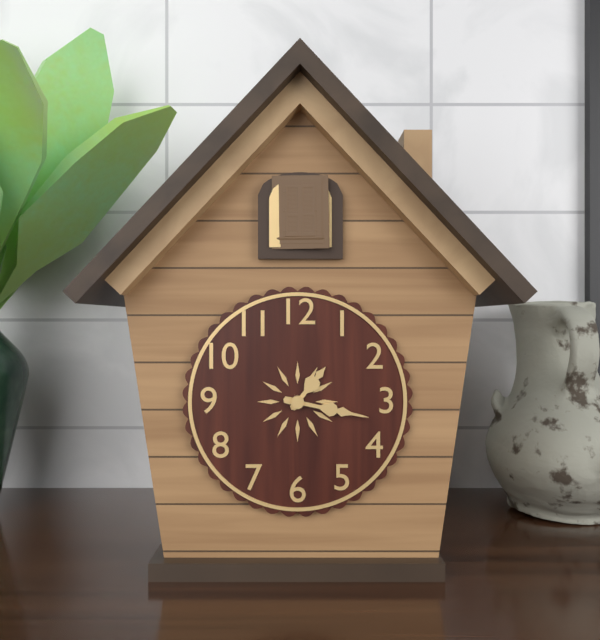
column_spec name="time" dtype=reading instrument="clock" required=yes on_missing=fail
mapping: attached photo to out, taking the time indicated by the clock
1:17
